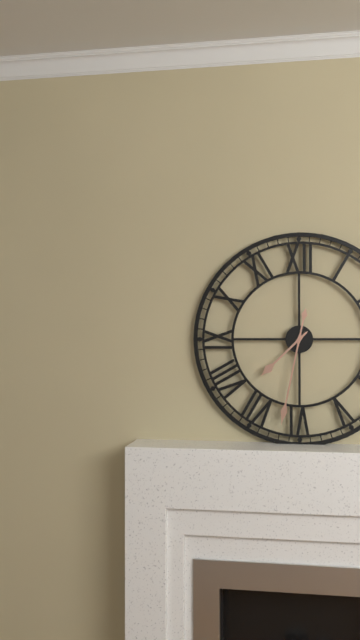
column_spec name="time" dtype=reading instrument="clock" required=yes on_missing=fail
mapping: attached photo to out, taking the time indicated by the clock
7:32
